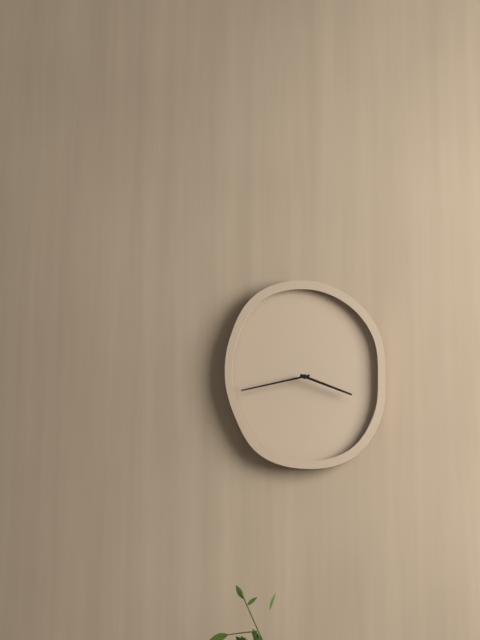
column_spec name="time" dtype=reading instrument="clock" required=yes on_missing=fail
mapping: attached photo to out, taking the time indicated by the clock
3:43
